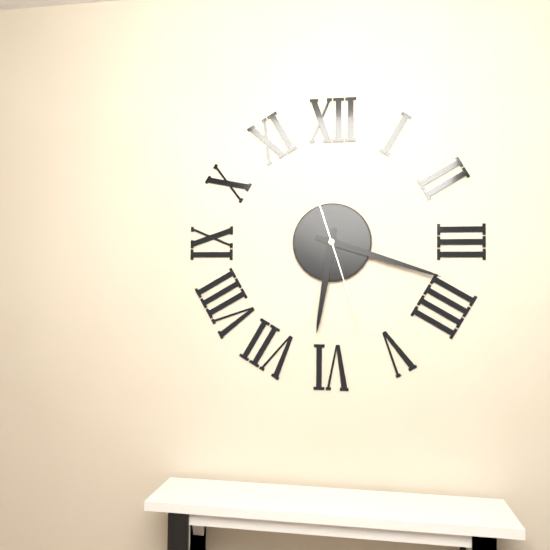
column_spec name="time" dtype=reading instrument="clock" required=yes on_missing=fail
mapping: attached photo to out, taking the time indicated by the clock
6:18:27
